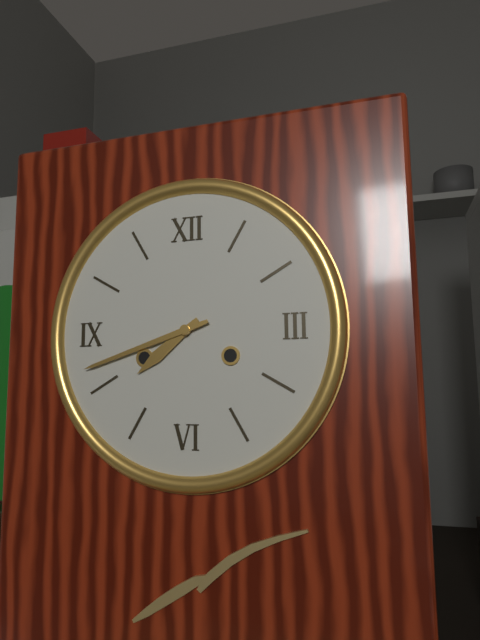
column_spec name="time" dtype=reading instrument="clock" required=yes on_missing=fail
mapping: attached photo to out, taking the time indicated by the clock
7:42
